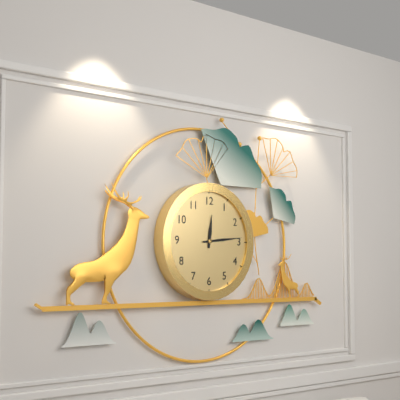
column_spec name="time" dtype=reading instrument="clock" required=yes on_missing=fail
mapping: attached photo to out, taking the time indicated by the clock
12:14
